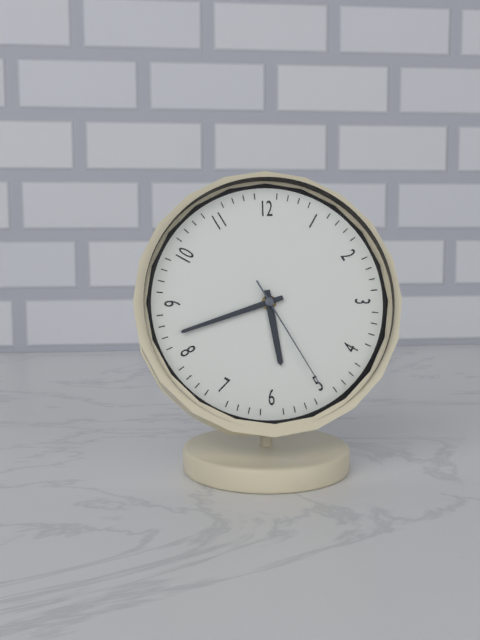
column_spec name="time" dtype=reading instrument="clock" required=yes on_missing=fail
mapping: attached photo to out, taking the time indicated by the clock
5:42:25
